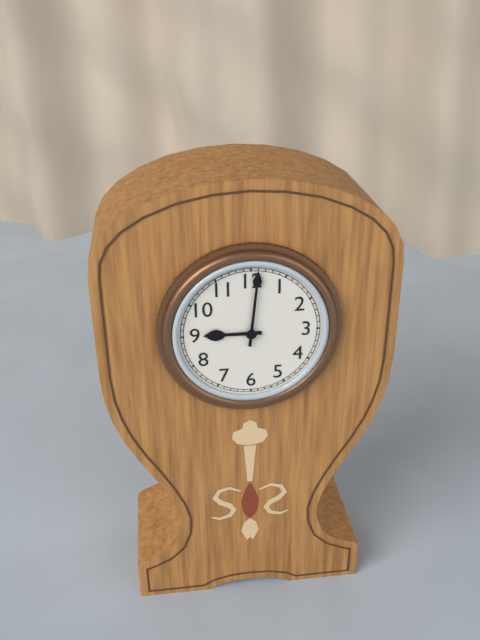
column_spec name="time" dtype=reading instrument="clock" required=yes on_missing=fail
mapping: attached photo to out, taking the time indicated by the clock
9:01
